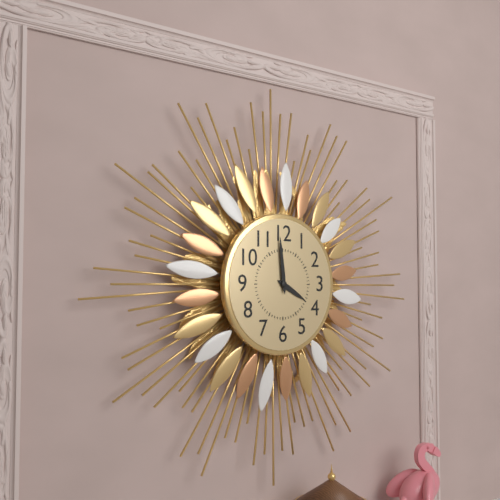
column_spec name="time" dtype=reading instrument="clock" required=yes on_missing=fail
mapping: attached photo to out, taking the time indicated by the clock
3:59
